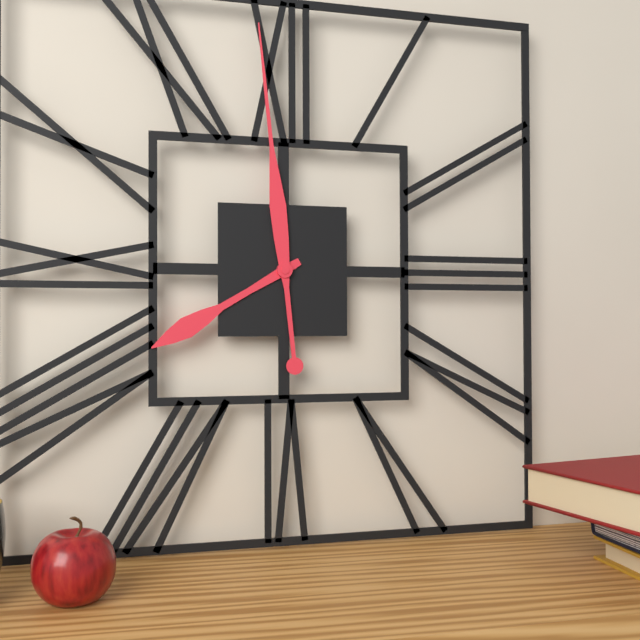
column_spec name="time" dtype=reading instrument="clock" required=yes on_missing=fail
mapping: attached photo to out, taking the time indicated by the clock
7:59
